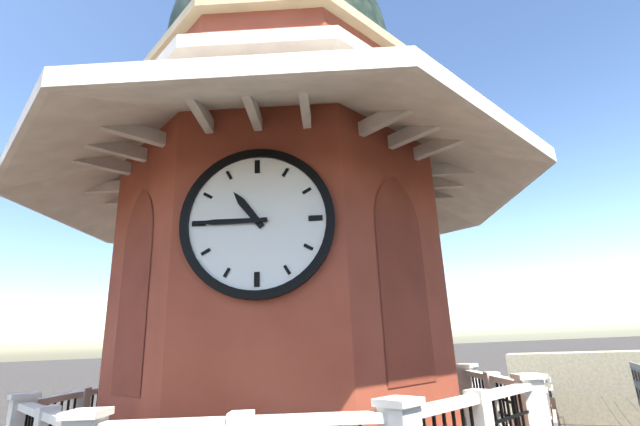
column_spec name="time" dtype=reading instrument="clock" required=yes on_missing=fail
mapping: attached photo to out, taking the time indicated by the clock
10:45
